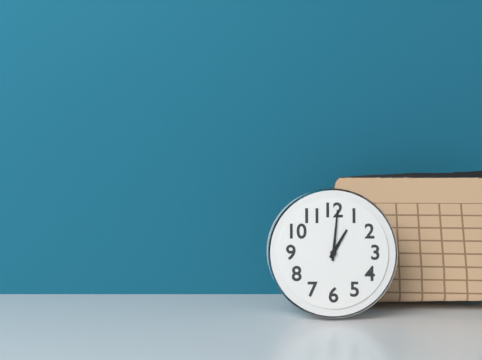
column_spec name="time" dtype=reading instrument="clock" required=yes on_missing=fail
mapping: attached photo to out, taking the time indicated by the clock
1:01
